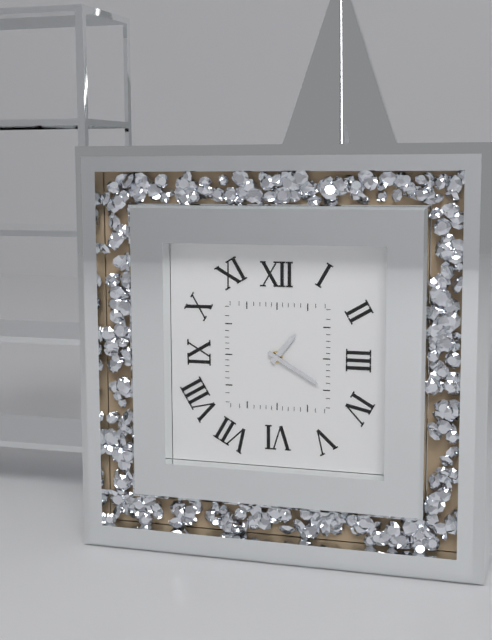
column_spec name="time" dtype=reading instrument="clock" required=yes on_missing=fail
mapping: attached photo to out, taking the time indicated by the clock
1:20
